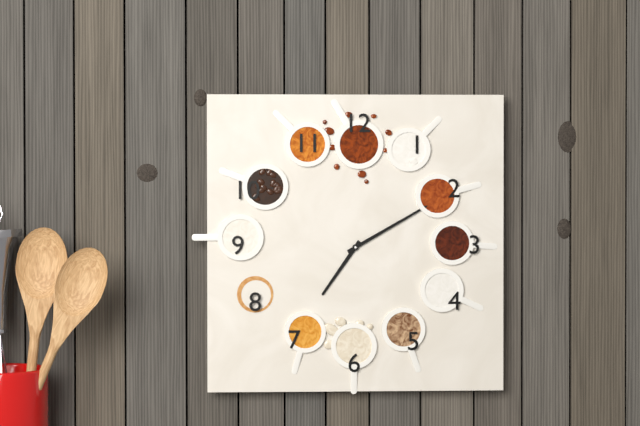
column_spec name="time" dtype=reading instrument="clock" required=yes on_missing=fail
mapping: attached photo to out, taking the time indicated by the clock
7:10
